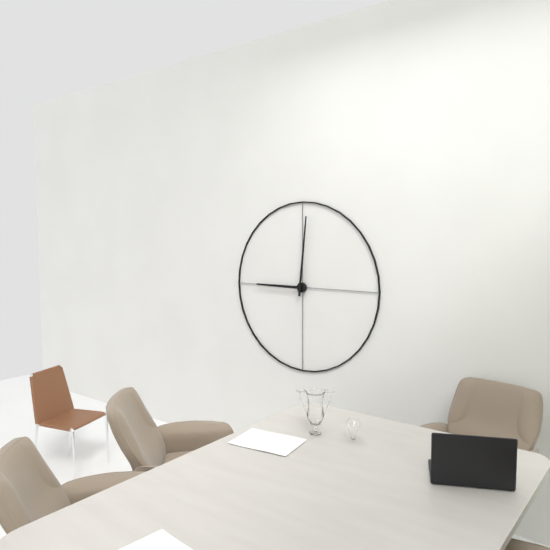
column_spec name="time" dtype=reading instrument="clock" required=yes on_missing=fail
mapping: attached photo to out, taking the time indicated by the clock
9:01
